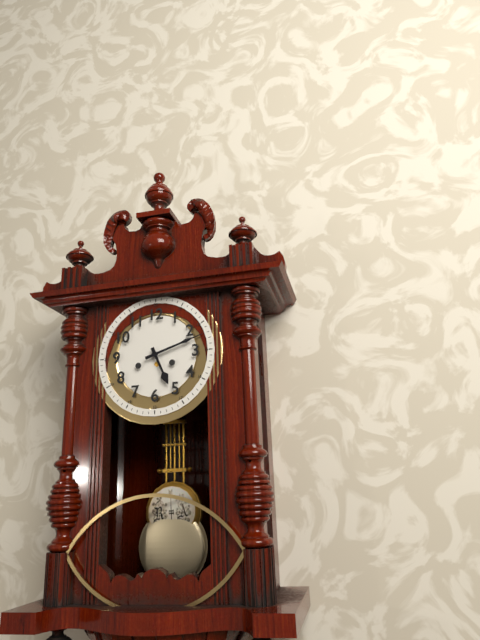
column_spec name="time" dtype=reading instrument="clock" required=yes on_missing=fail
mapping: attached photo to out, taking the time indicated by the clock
5:12
